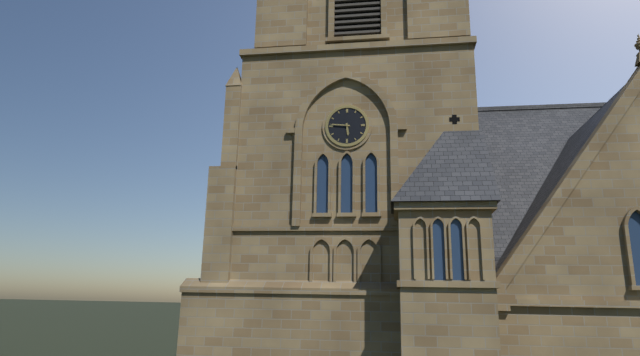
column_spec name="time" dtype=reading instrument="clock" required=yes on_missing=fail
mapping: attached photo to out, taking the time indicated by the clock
5:46
